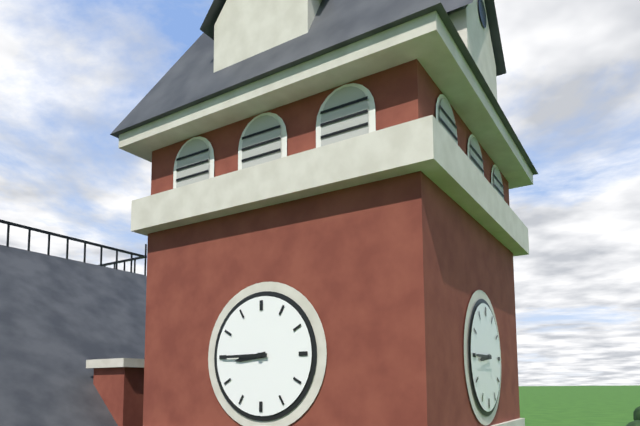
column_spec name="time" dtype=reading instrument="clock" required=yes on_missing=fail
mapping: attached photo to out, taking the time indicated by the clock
8:45
